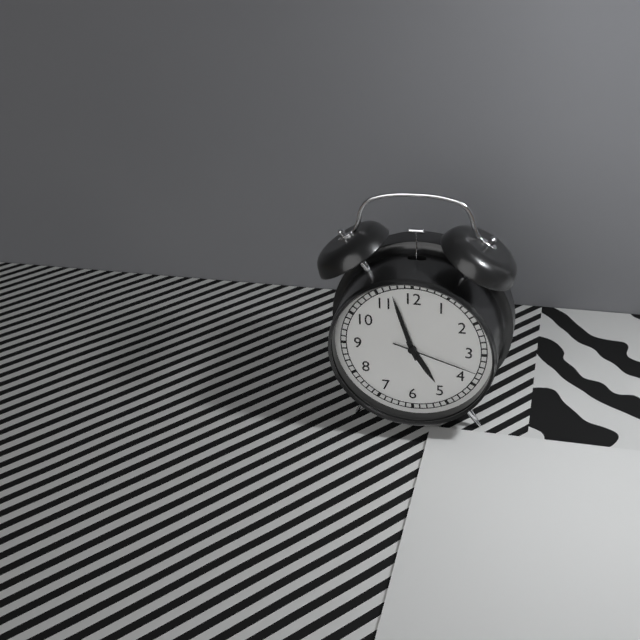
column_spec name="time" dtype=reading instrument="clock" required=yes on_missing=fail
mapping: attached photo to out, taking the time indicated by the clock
4:57:18
